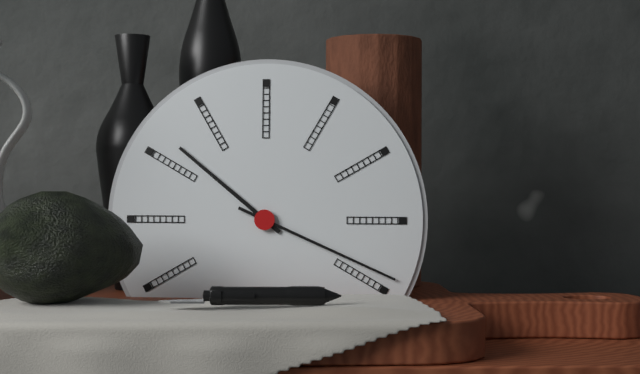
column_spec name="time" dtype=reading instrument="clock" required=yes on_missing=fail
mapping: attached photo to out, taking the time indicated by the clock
10:19
